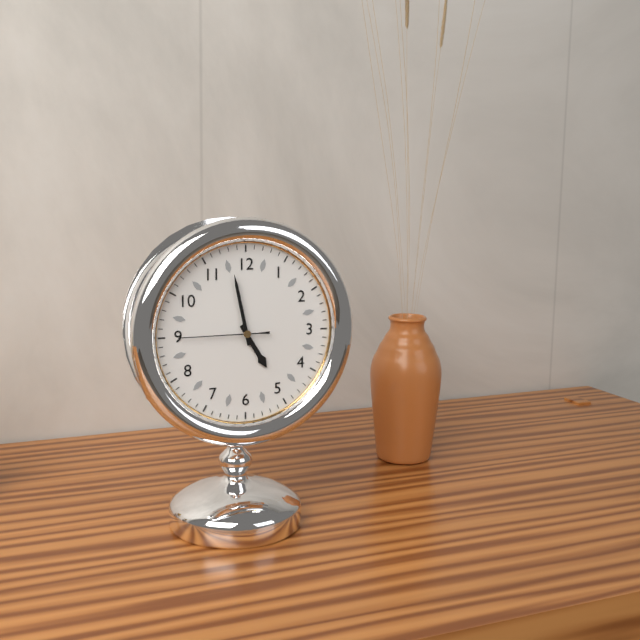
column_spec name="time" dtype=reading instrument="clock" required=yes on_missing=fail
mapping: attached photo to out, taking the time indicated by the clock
4:58:45
